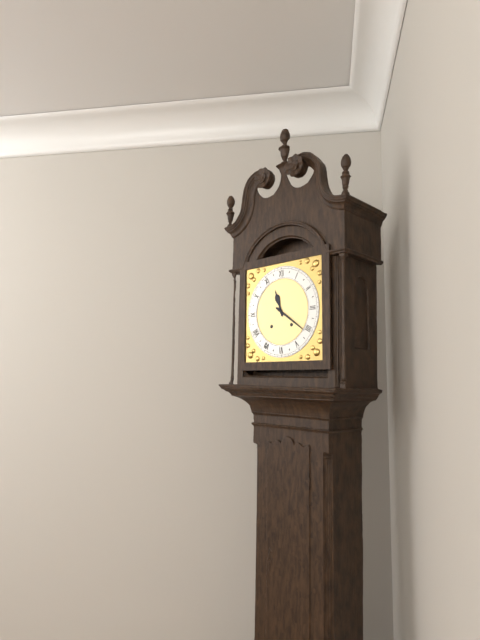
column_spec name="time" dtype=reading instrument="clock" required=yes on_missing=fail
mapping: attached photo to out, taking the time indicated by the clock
11:21
